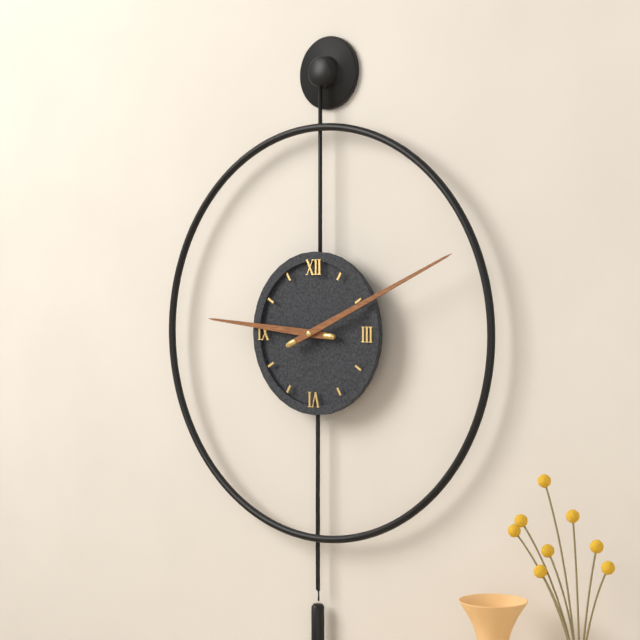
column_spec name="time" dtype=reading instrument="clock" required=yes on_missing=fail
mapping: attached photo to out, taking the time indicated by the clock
9:11
